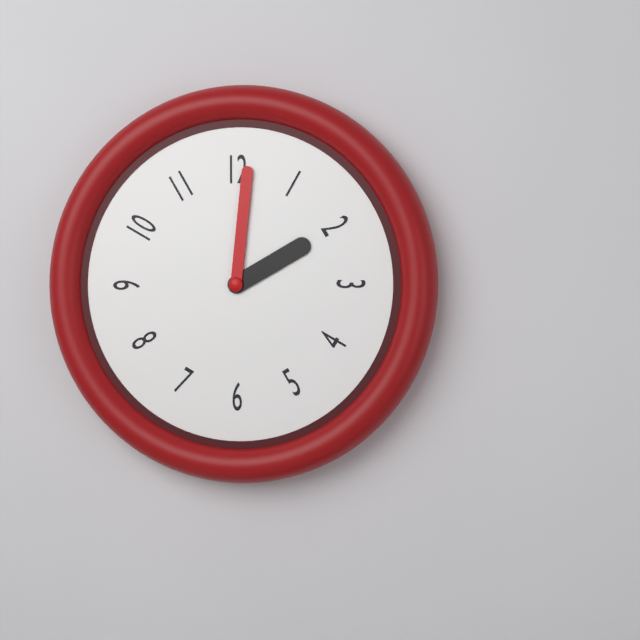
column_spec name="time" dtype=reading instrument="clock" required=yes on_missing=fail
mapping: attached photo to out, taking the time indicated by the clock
2:01
